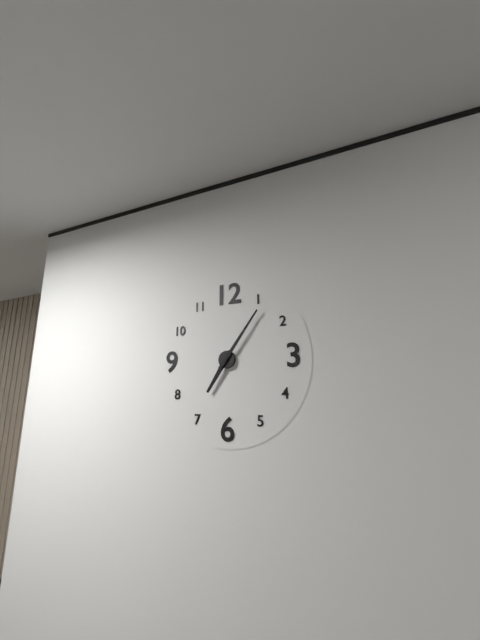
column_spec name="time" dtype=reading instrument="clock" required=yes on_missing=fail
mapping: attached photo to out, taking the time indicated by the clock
7:06
